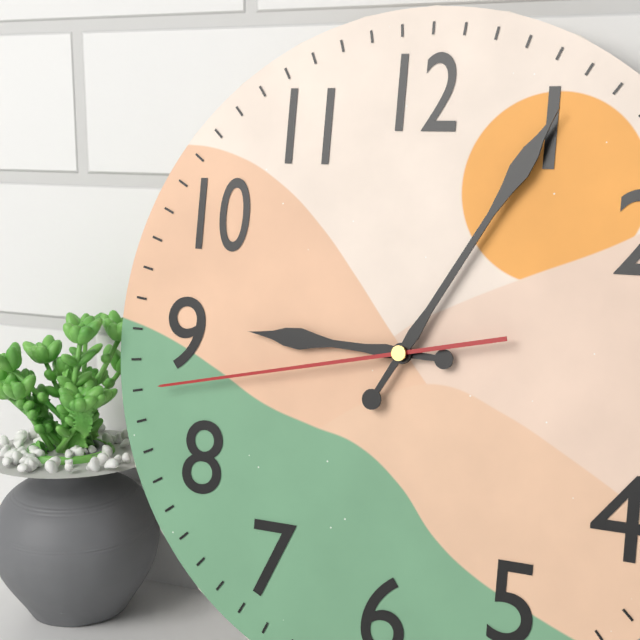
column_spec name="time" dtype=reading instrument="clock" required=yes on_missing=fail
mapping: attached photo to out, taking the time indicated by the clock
9:05:43
